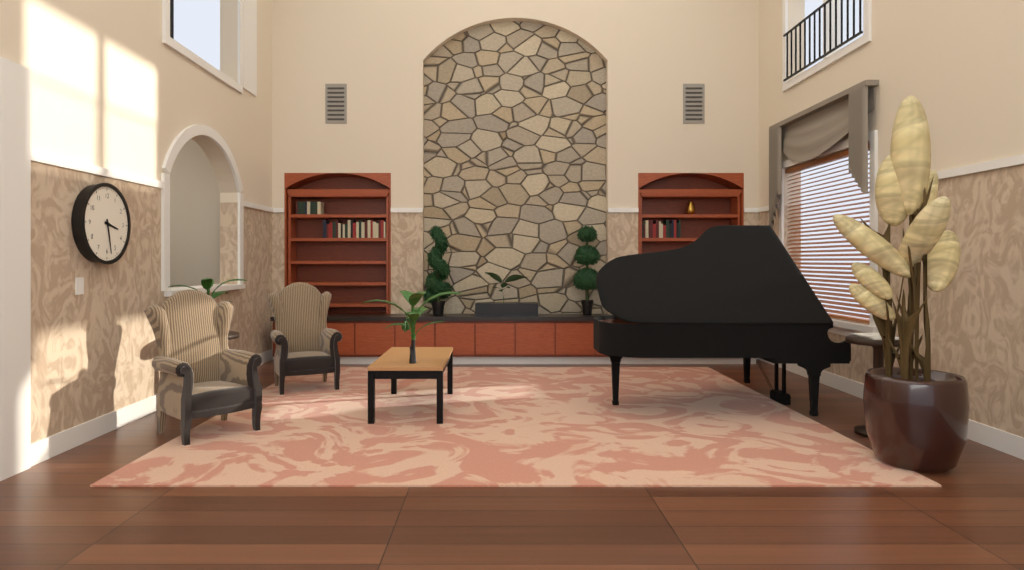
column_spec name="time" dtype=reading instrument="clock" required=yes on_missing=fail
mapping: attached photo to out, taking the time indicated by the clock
3:28
